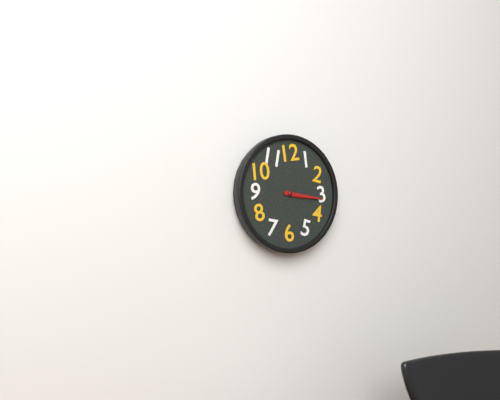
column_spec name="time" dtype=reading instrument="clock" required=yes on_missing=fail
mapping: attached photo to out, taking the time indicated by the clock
3:16
